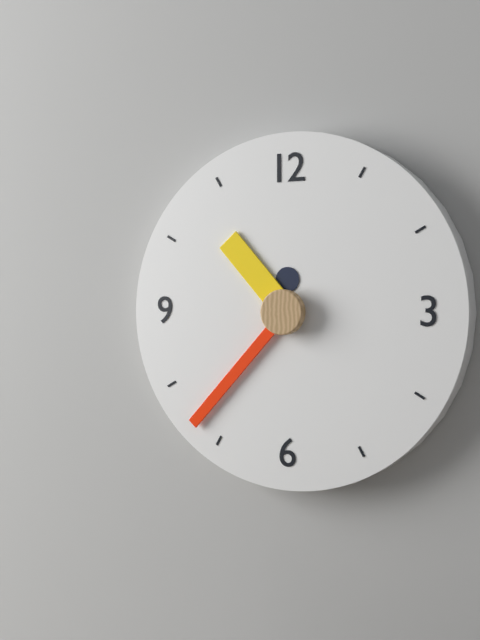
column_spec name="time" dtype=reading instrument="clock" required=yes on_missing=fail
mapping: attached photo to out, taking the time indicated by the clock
10:37
